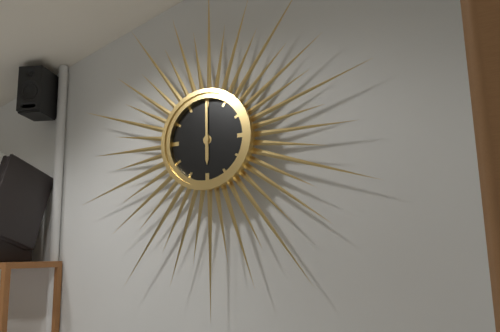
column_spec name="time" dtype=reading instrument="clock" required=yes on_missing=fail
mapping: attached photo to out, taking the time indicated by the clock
6:00
